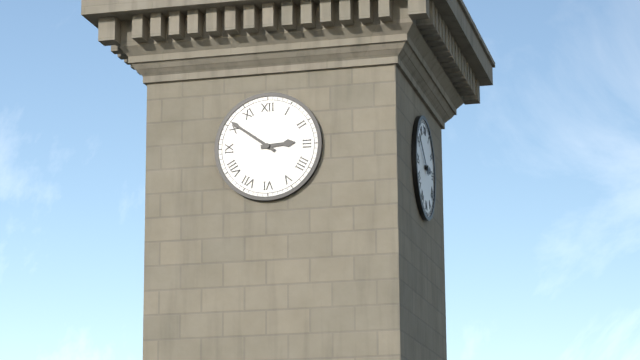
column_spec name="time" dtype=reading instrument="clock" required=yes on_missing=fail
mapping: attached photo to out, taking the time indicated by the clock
2:51
